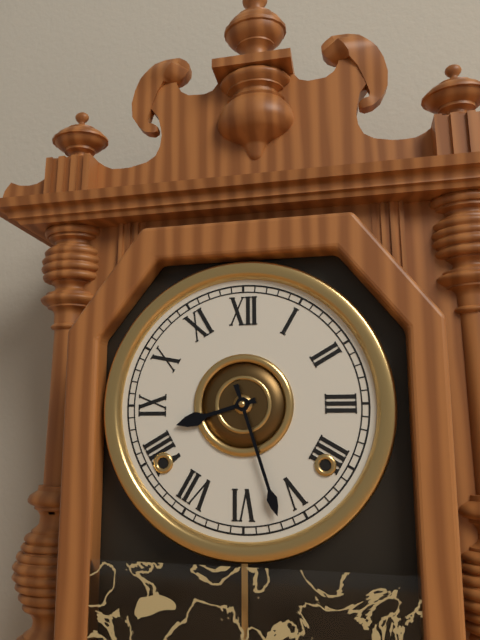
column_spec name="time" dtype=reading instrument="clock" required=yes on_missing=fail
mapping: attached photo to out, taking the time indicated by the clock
8:27
